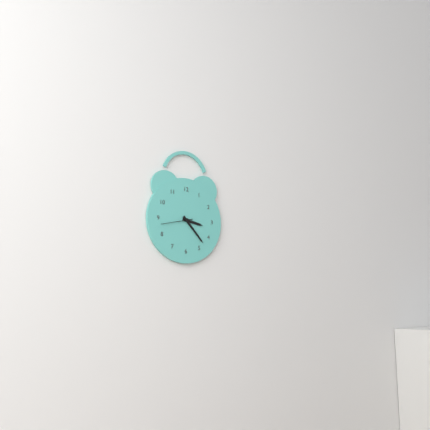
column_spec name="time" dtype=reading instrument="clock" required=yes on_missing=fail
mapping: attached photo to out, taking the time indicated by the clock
3:23
